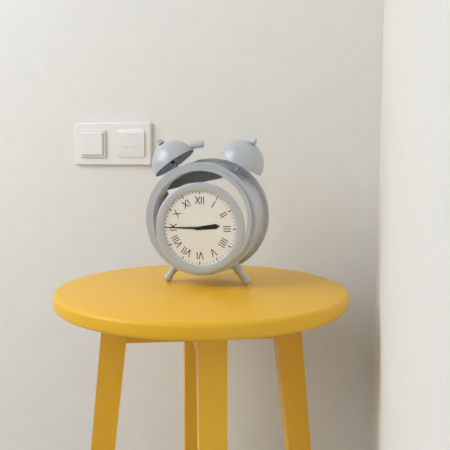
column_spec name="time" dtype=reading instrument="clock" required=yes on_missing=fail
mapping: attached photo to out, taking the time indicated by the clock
2:45
